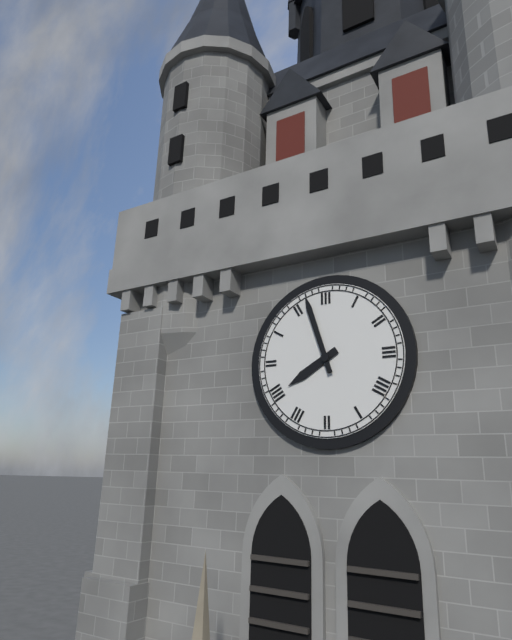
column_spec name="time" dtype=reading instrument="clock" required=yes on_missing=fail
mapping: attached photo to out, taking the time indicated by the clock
7:57
